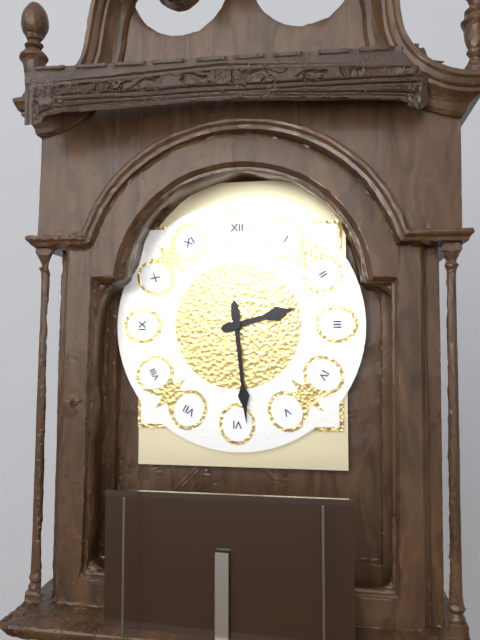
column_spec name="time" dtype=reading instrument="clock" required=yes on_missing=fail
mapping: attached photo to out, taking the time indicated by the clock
2:29
